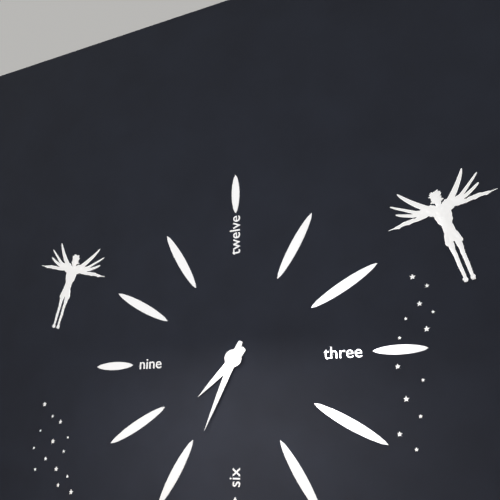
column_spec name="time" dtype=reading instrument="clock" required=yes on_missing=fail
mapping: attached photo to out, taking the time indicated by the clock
7:34
